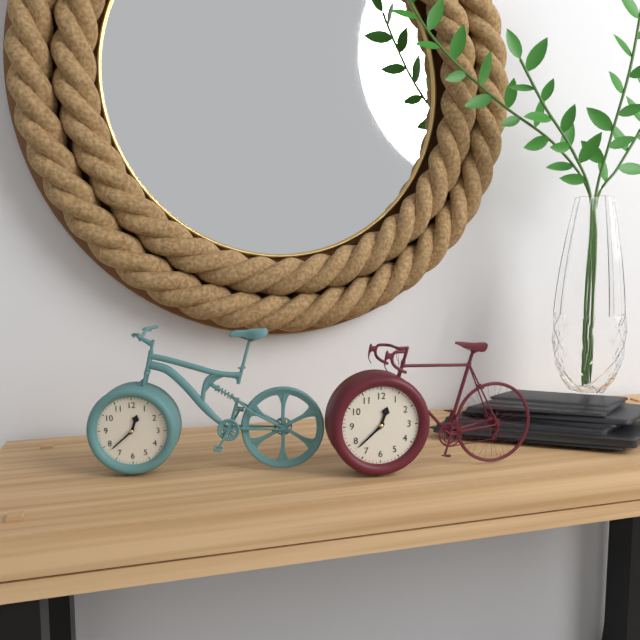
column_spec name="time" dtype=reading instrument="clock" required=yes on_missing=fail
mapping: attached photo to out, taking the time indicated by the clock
12:38
